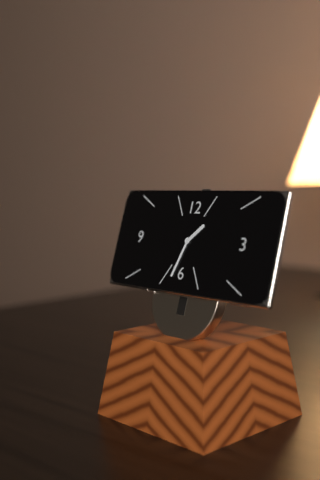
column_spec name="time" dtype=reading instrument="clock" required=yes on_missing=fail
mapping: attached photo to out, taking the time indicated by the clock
1:33
